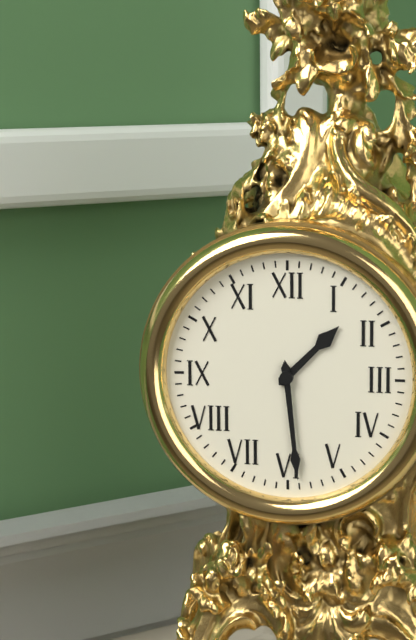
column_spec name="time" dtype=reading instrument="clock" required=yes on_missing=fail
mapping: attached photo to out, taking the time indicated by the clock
1:29
